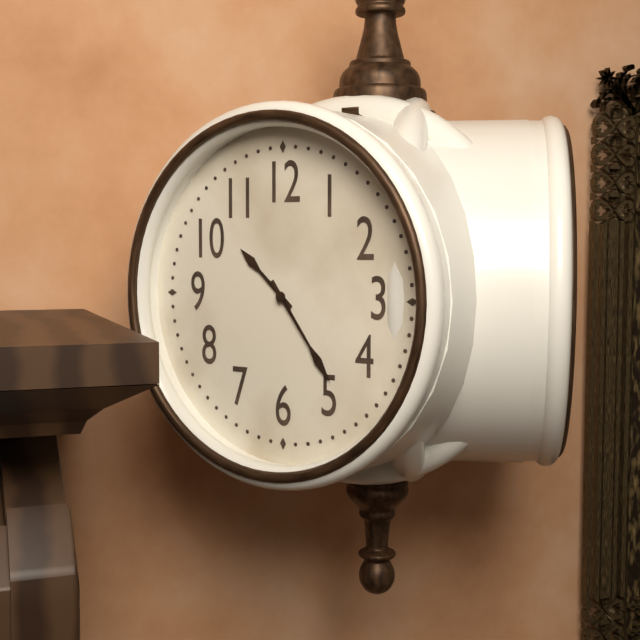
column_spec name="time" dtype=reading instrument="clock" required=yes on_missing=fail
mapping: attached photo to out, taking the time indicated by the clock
10:24
